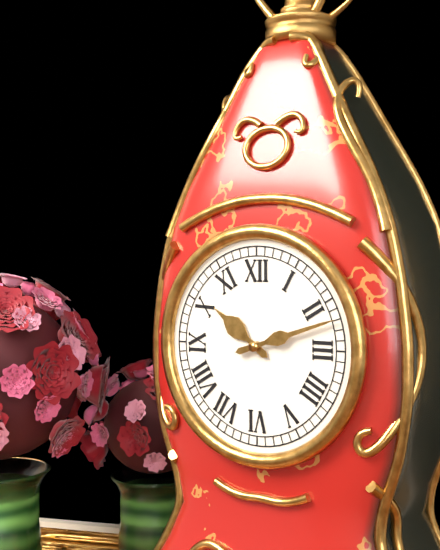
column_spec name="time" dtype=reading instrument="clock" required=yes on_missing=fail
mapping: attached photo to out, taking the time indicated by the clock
10:12
